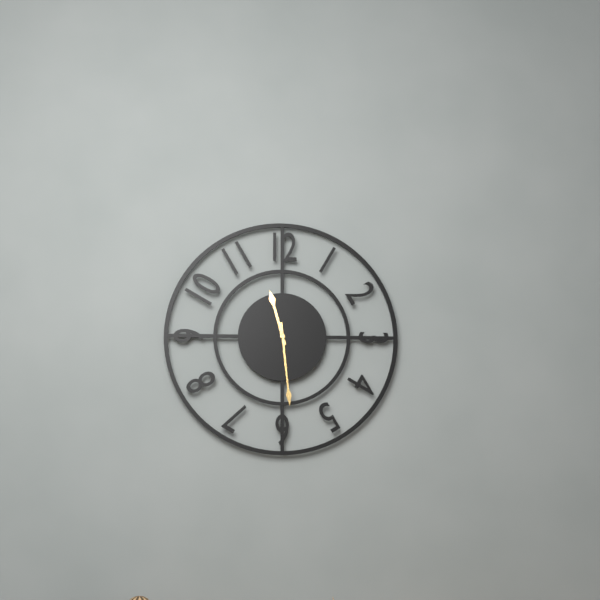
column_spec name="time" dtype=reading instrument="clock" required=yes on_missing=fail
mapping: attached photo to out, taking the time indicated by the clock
11:29
